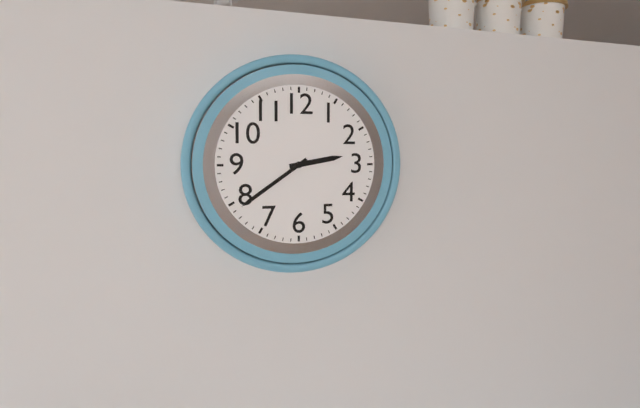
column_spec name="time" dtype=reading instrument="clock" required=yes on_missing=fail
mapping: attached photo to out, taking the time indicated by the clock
2:39
